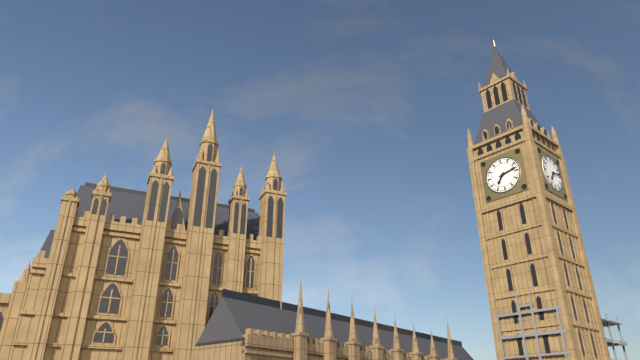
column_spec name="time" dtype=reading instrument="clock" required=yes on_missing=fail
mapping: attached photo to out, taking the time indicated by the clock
7:13
